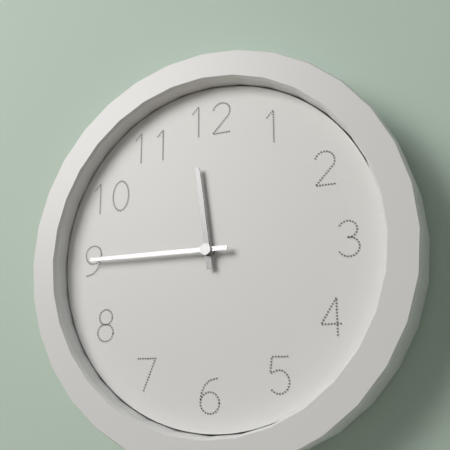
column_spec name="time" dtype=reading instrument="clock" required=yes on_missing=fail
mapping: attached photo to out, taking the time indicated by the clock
11:45
